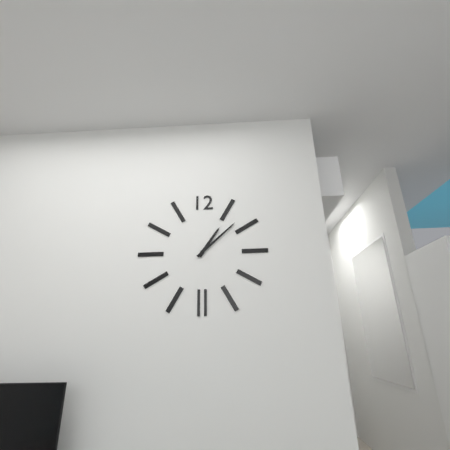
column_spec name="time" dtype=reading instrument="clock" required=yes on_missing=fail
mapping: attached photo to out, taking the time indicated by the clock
1:08
